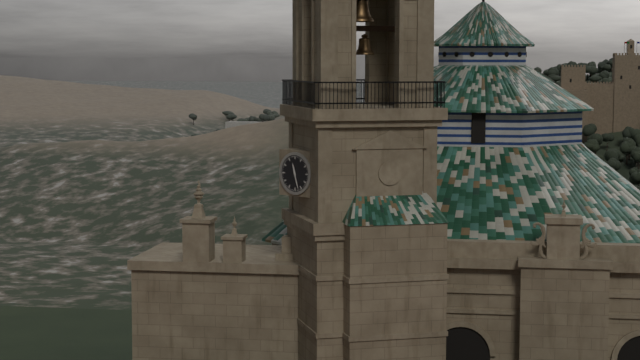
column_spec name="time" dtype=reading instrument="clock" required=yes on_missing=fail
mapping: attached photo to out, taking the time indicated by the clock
11:27
